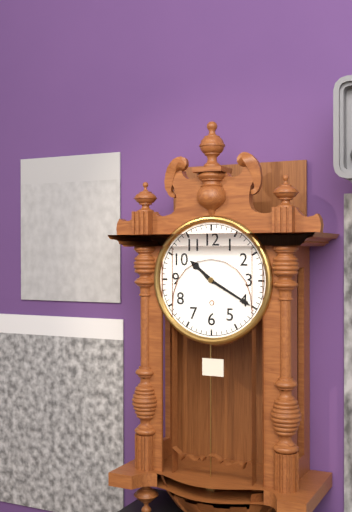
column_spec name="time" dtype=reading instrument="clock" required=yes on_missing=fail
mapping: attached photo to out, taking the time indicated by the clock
10:20
